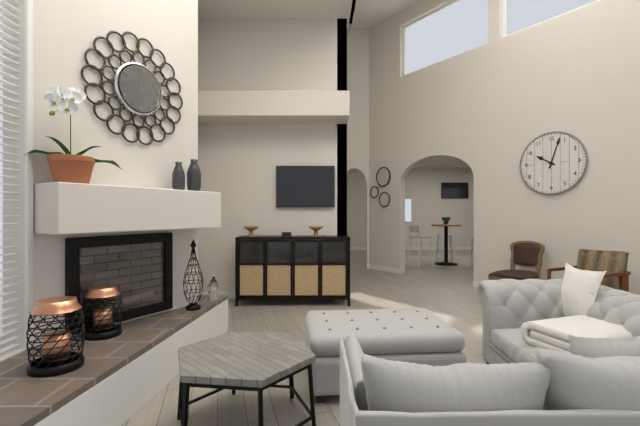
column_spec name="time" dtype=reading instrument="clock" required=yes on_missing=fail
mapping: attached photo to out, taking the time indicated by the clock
10:03
